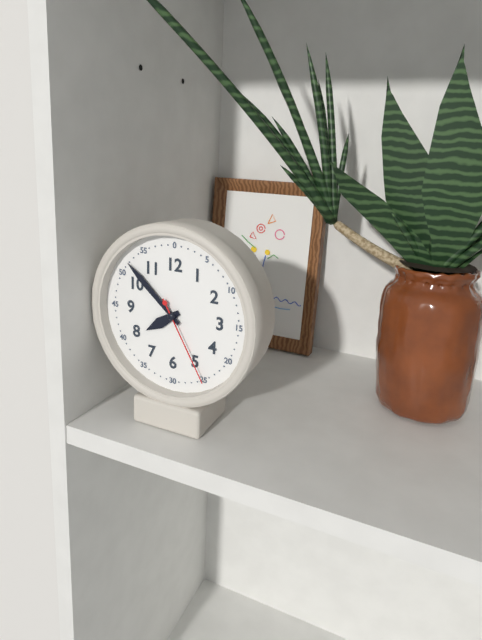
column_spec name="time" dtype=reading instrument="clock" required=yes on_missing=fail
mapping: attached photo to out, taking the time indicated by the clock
7:52:25
